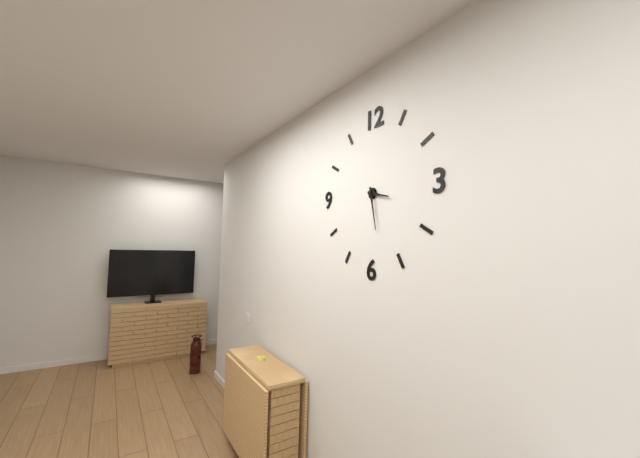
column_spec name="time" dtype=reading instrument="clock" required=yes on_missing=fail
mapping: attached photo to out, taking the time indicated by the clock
3:28
